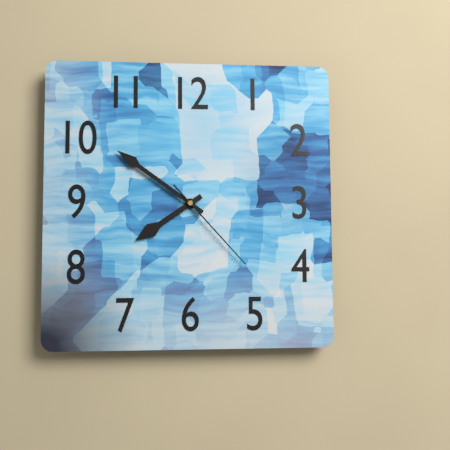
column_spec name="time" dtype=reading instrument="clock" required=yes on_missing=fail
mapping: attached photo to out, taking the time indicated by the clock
7:51:23
